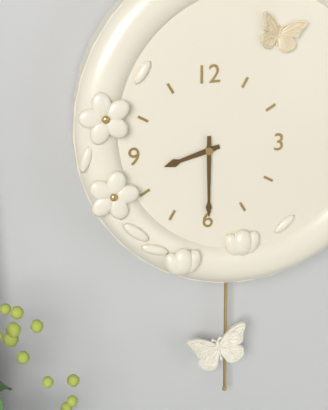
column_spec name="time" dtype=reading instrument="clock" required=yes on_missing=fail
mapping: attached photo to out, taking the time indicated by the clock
8:30
